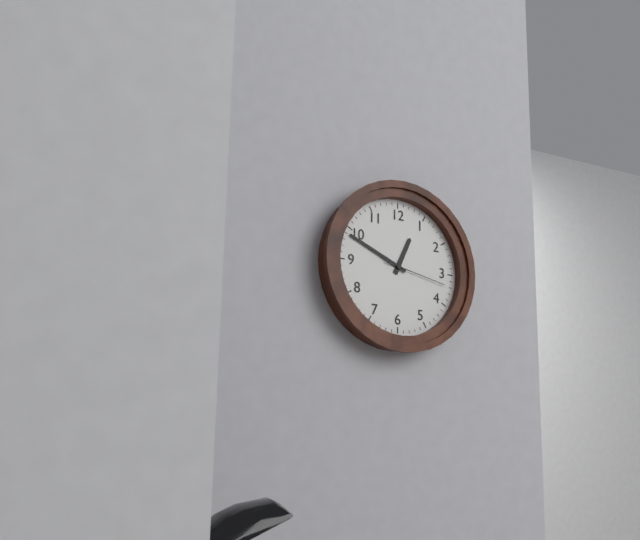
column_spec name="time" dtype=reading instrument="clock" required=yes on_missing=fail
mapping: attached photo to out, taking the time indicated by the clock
12:49:17
